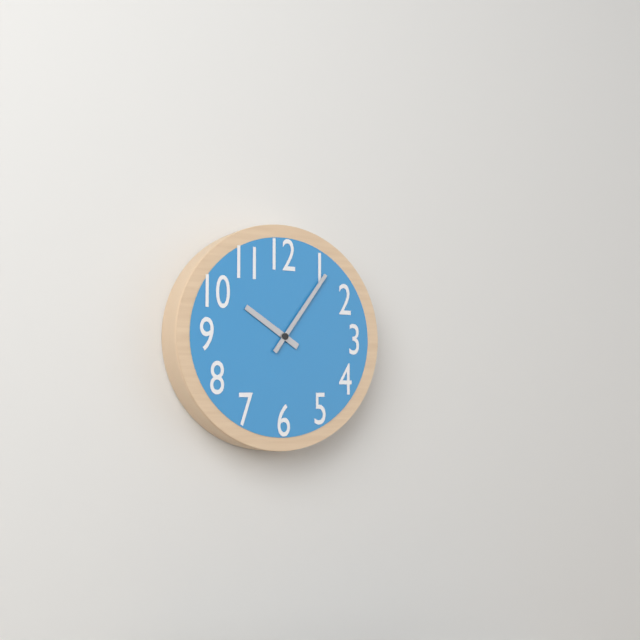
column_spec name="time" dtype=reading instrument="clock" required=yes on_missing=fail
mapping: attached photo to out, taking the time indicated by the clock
10:06
